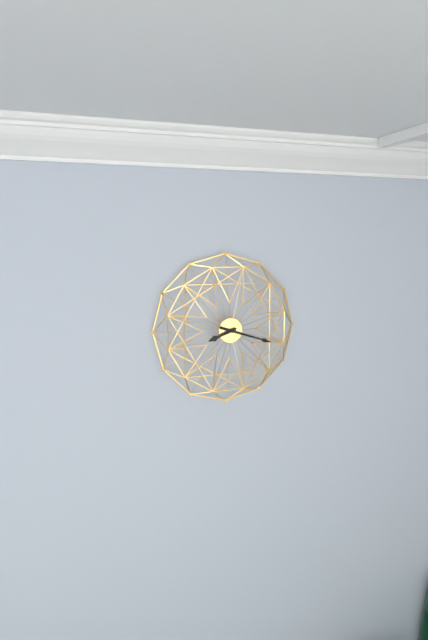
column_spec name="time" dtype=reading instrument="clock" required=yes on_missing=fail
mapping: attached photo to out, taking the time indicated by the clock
8:18
